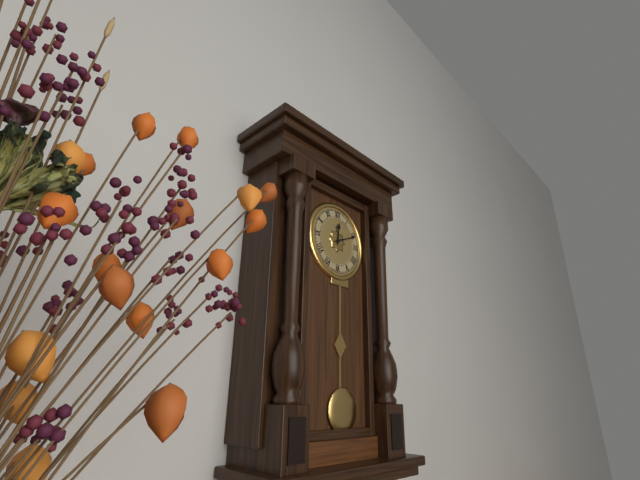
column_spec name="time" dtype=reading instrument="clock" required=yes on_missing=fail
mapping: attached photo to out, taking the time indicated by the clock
12:11
